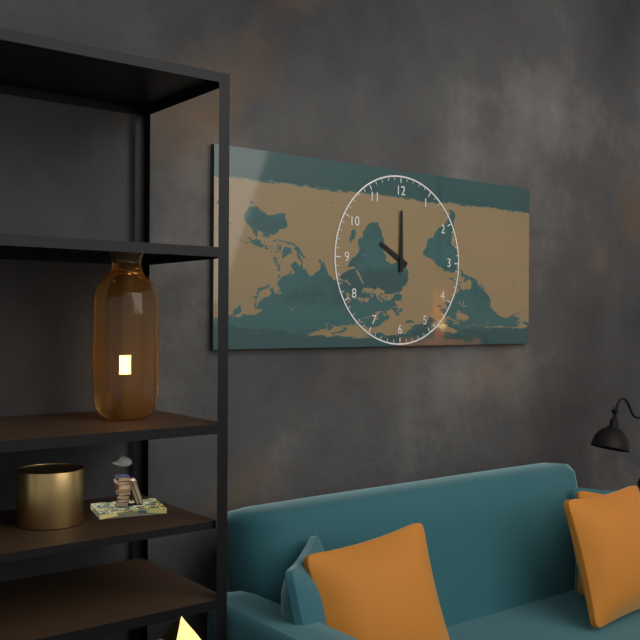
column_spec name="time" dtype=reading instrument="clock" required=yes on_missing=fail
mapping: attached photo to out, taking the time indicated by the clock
10:00
